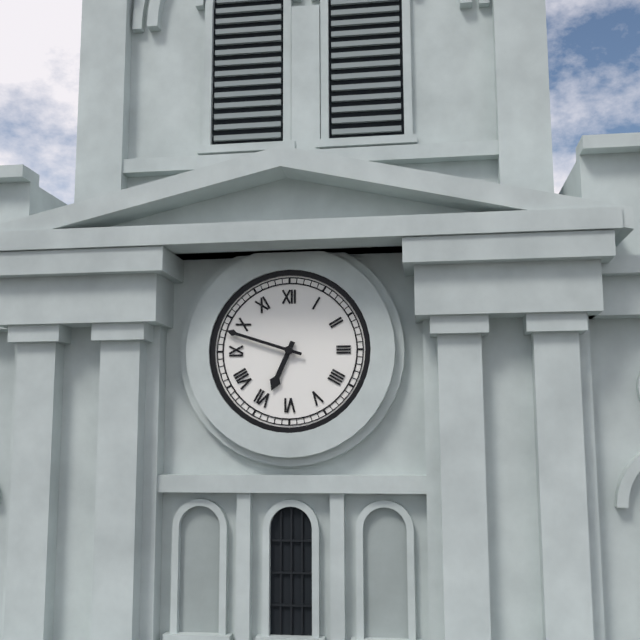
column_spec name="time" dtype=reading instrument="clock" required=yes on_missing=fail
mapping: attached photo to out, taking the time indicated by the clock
6:48
